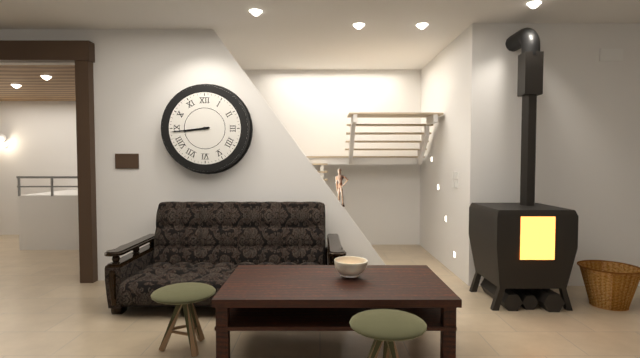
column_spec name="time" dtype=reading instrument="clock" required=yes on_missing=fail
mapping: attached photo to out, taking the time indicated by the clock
8:44
